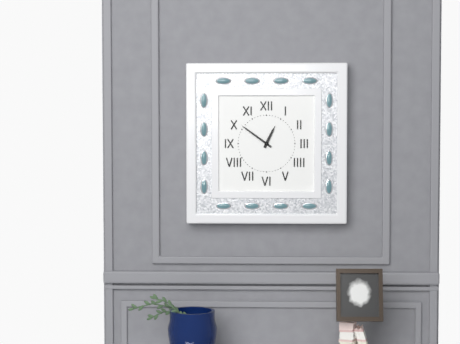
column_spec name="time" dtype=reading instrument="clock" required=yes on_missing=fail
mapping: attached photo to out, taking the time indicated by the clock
12:51
